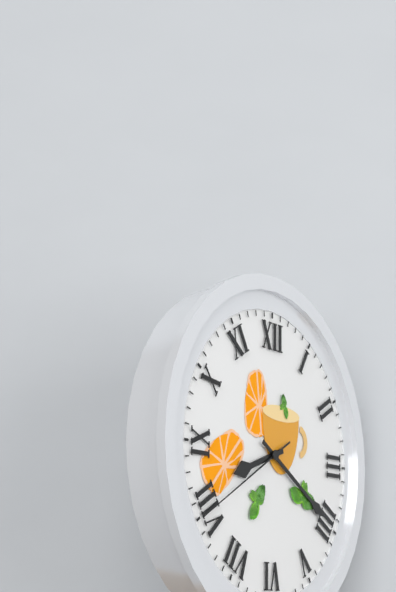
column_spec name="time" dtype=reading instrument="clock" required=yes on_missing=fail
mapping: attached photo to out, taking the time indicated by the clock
8:20:40
